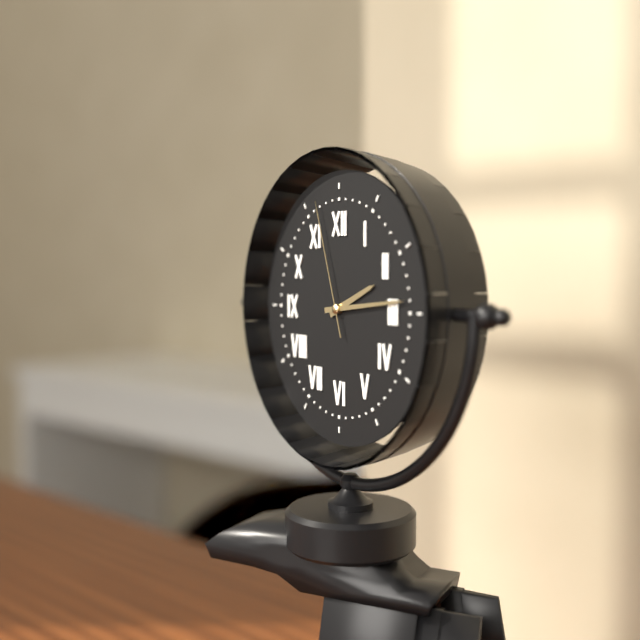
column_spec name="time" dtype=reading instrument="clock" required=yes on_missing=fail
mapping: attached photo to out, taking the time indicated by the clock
2:14:57
